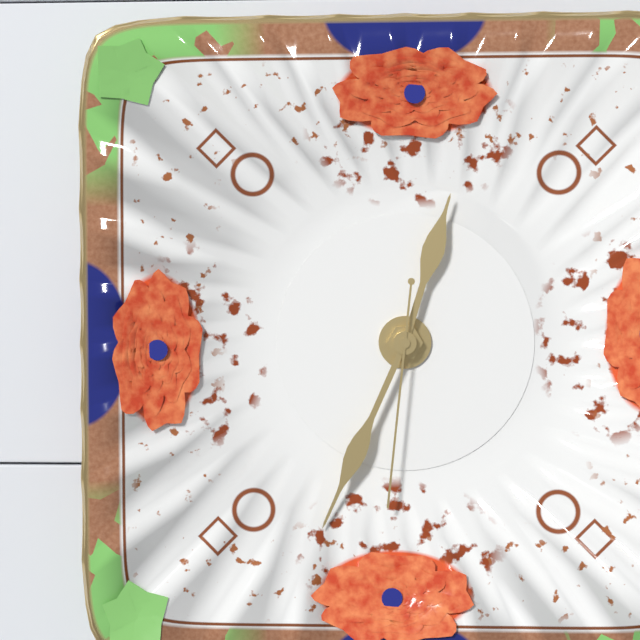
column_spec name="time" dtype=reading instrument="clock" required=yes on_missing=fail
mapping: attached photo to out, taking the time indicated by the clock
12:34:31
